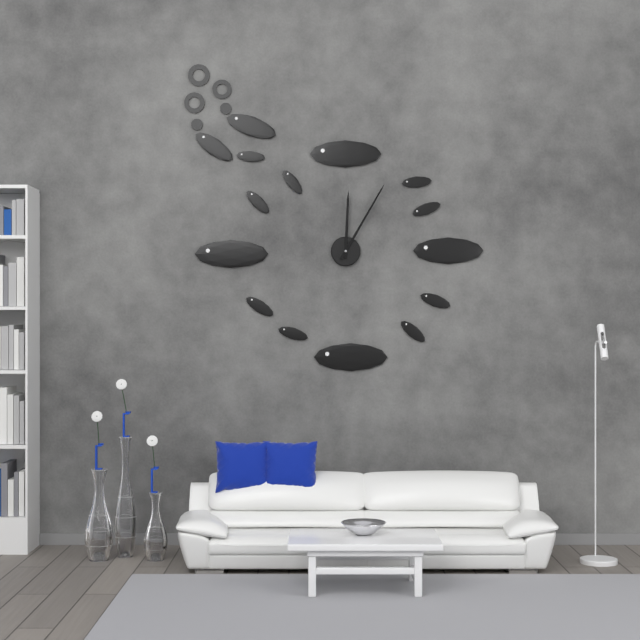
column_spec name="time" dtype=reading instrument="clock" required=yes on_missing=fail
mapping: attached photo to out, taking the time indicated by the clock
12:05
